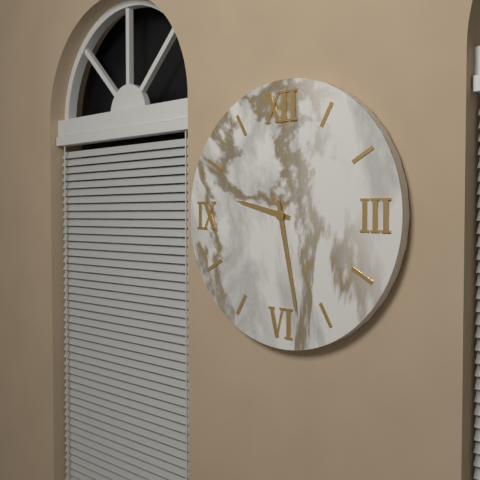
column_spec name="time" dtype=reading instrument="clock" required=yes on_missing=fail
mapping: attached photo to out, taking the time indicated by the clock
9:28
